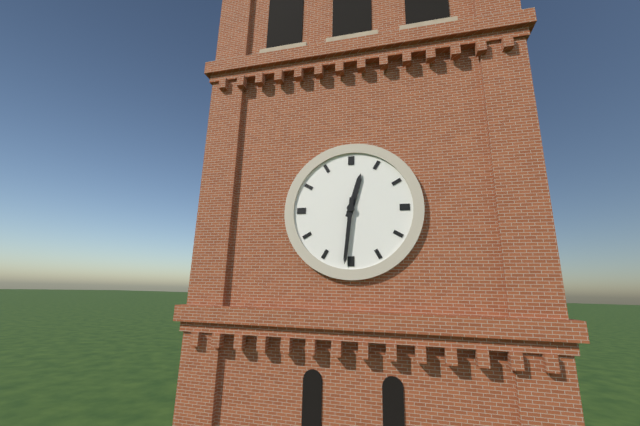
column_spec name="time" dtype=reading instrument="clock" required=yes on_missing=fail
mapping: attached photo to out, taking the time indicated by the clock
12:31
